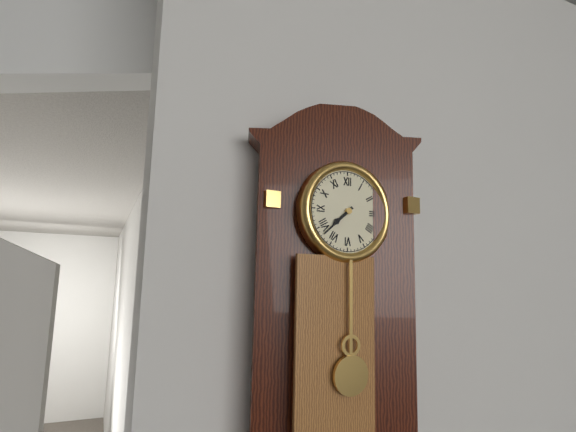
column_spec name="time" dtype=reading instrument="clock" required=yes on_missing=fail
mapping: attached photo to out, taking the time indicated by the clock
7:38
